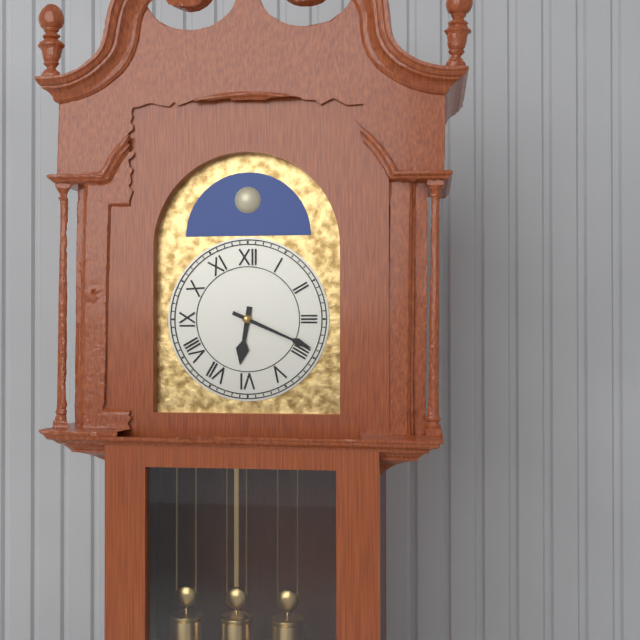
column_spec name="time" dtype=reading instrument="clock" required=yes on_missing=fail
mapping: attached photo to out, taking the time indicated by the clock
6:19
